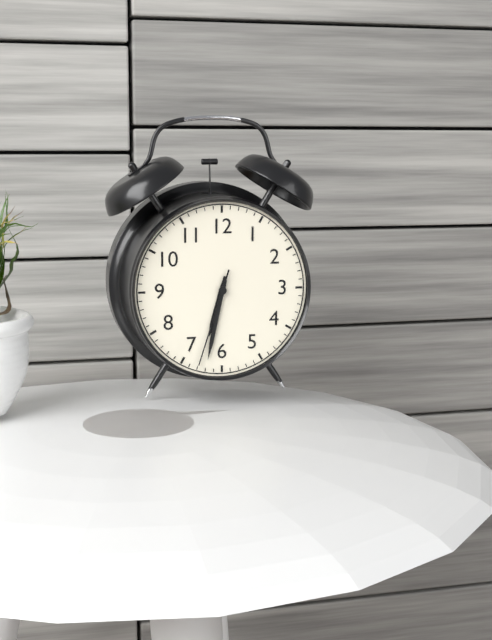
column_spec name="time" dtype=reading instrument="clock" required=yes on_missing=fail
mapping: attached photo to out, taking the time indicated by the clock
6:32:33
